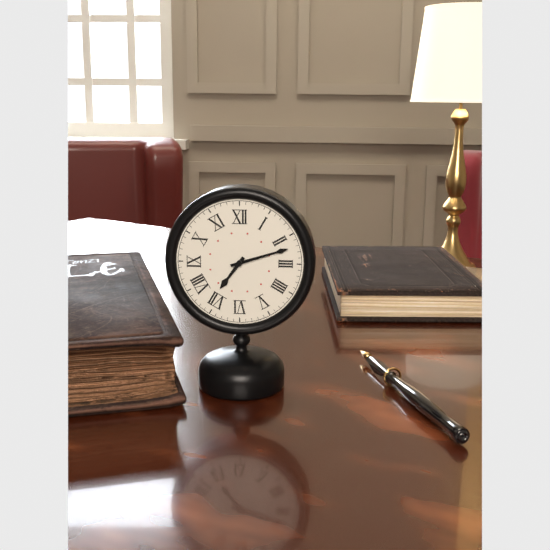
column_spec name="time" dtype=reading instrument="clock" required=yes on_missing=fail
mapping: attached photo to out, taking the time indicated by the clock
7:12
